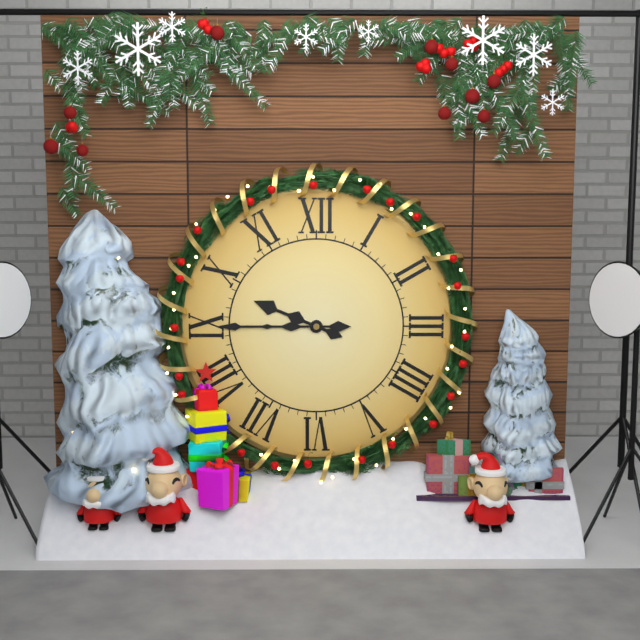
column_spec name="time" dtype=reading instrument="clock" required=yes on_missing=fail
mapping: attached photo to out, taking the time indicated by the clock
9:45
